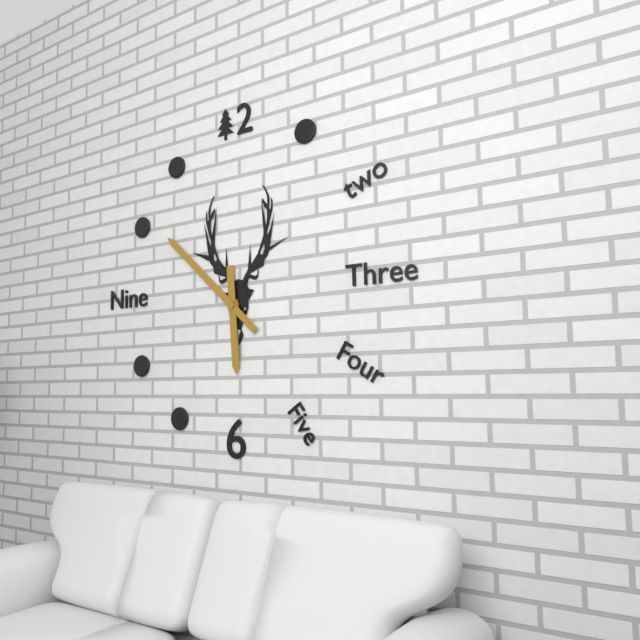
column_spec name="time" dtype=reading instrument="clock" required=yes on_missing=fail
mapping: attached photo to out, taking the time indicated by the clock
5:52
